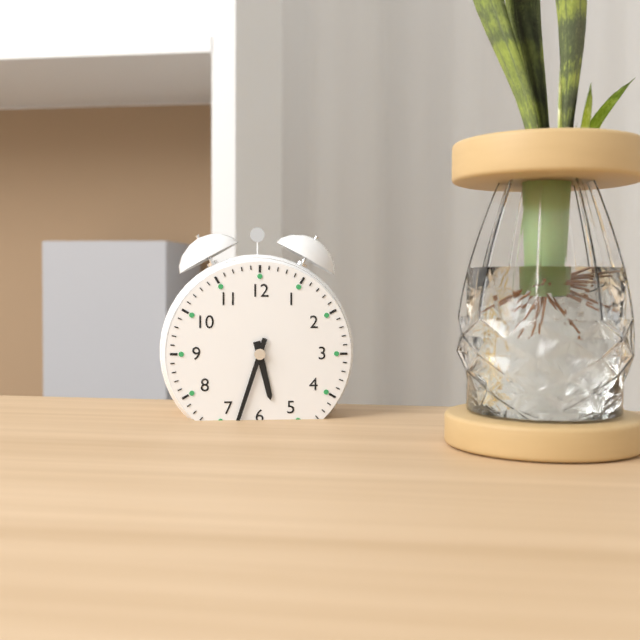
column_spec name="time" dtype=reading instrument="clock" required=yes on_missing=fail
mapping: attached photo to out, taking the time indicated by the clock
5:33
